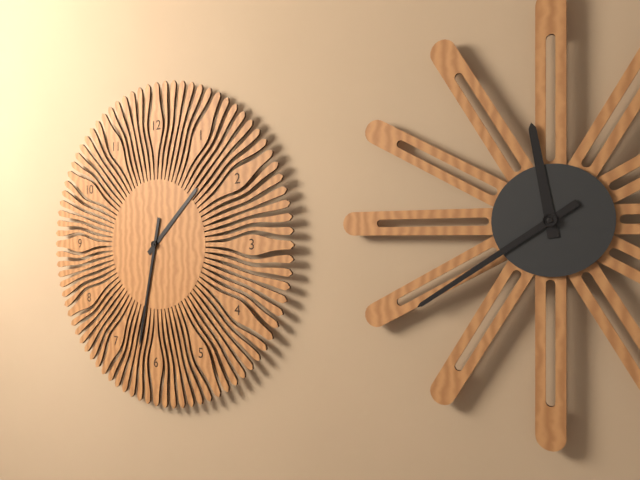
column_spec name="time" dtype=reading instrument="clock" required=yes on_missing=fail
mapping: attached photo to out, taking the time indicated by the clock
1:32
